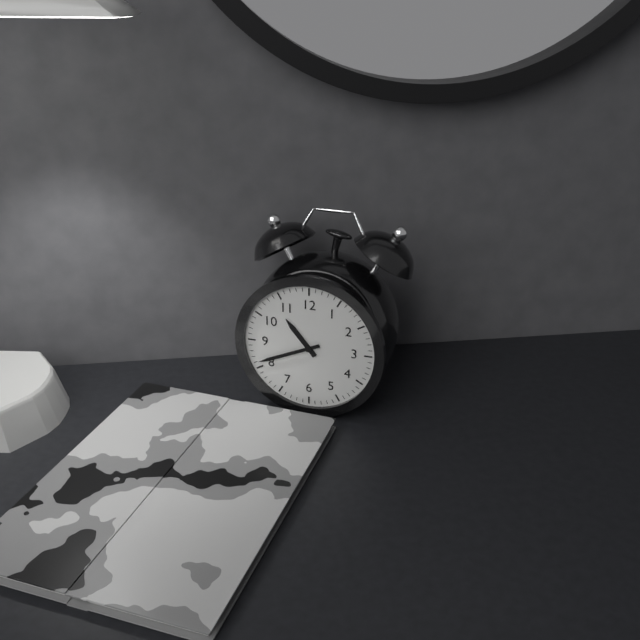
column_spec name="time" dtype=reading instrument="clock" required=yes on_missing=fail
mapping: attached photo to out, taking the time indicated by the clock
10:41
